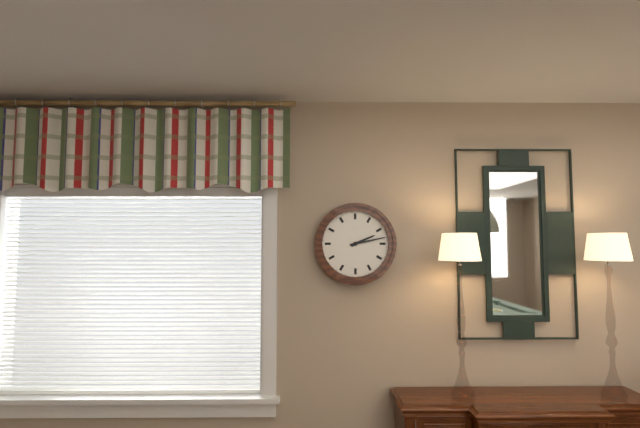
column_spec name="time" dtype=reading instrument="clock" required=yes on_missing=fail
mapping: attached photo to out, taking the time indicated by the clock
2:13
